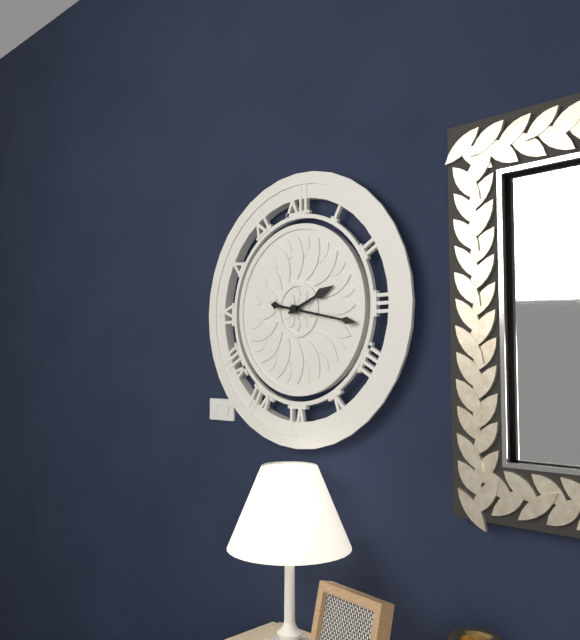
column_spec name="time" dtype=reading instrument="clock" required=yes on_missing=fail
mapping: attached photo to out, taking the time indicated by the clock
2:17
